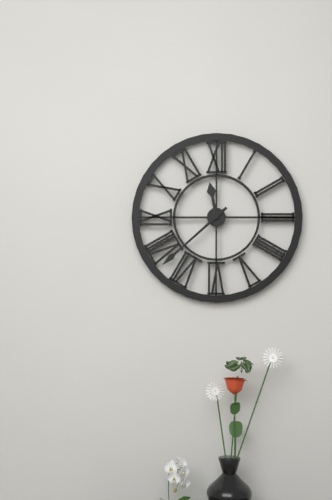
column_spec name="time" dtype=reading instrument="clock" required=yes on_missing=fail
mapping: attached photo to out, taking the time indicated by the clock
11:38
